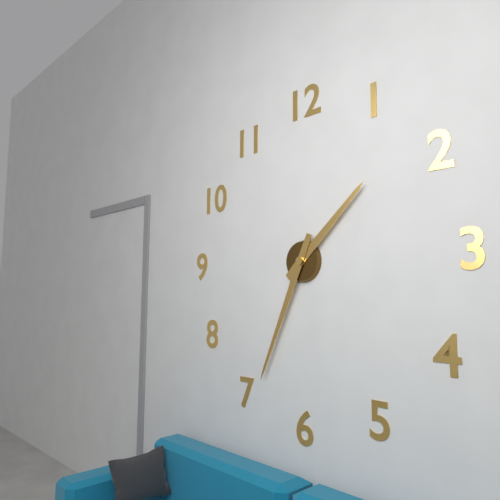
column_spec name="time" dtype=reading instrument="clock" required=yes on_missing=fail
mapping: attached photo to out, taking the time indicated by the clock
1:34
